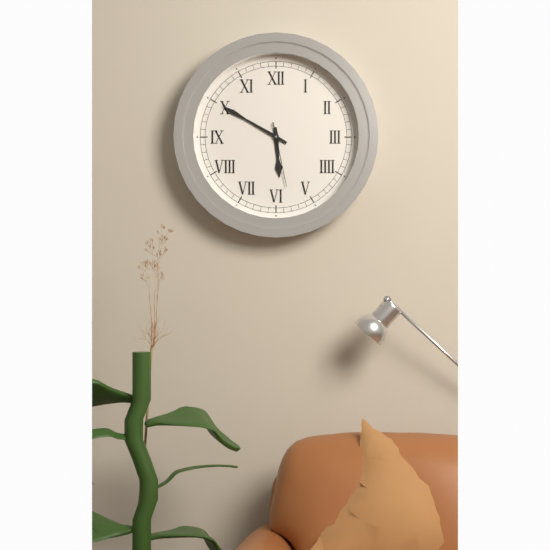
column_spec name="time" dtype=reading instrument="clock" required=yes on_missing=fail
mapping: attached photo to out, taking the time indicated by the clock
5:50:28
